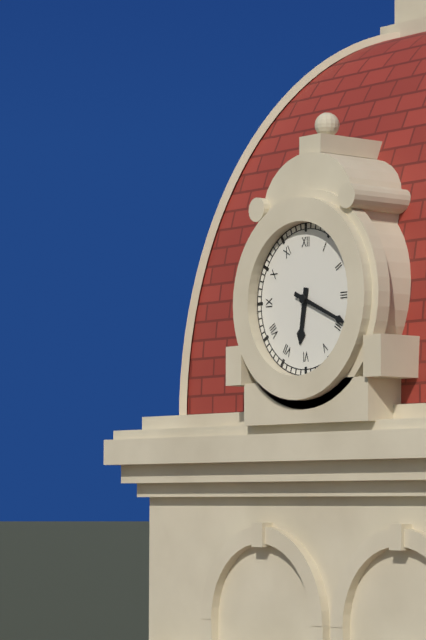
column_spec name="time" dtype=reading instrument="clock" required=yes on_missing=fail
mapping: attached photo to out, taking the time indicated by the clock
6:19
